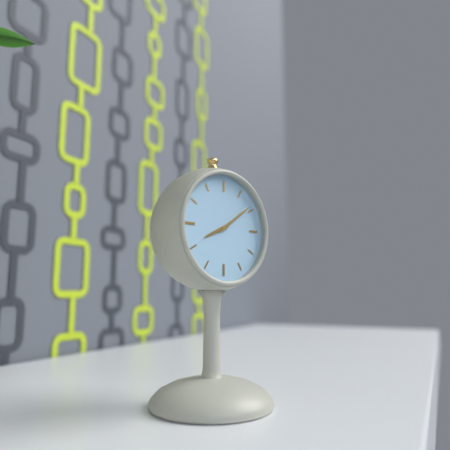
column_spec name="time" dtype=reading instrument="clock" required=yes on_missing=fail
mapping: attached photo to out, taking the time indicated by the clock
8:09
